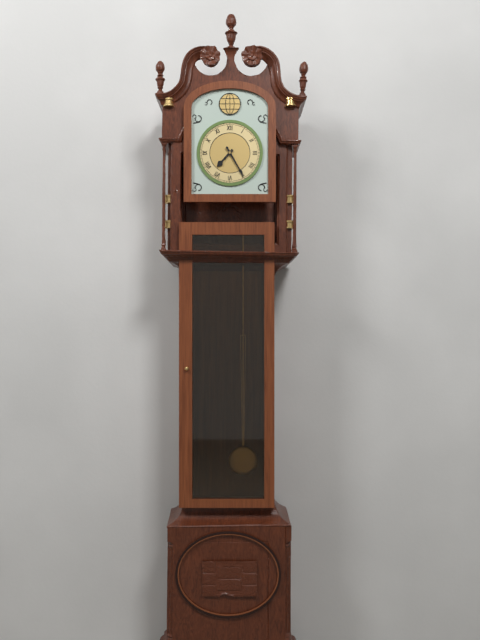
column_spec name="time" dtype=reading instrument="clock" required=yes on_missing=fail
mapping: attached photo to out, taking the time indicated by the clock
7:25
